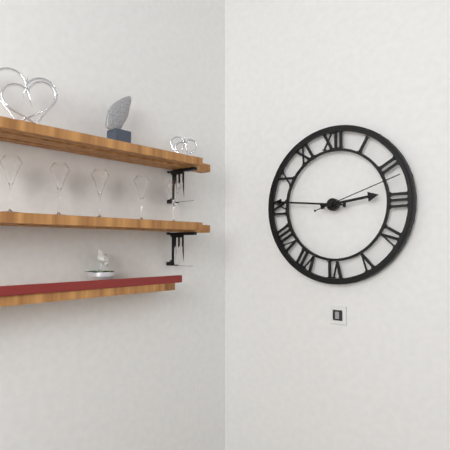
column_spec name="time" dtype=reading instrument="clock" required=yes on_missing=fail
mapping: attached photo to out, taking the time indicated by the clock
2:46:12
